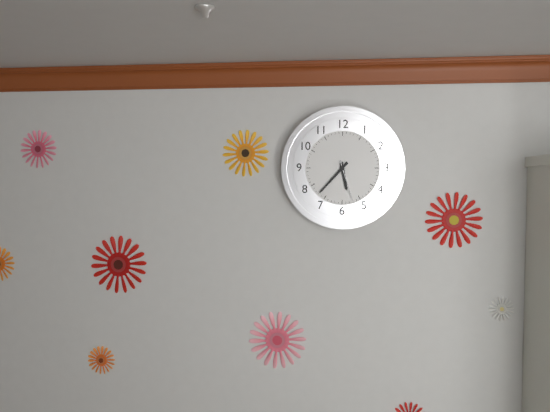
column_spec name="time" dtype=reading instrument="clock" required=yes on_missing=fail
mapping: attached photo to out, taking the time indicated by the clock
5:37
